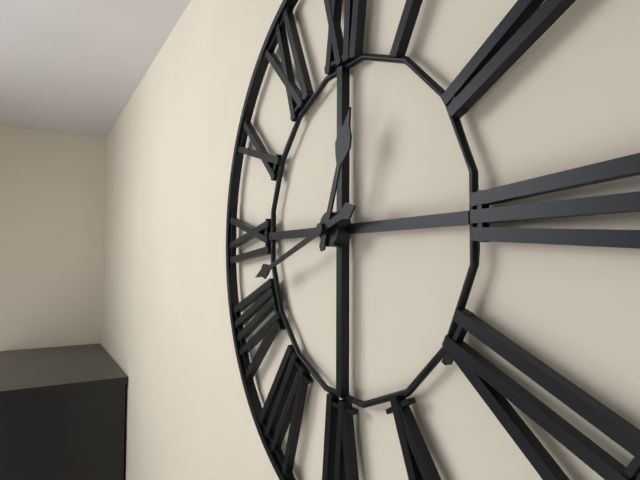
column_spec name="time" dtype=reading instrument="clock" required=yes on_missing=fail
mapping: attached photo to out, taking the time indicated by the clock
12:42
